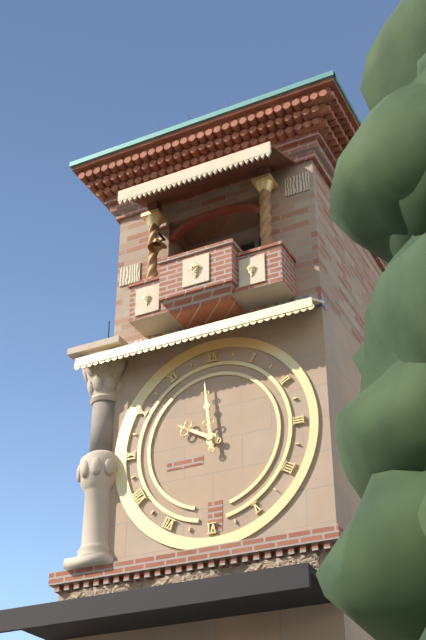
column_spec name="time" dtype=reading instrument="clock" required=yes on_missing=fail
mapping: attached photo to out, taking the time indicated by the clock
9:59
